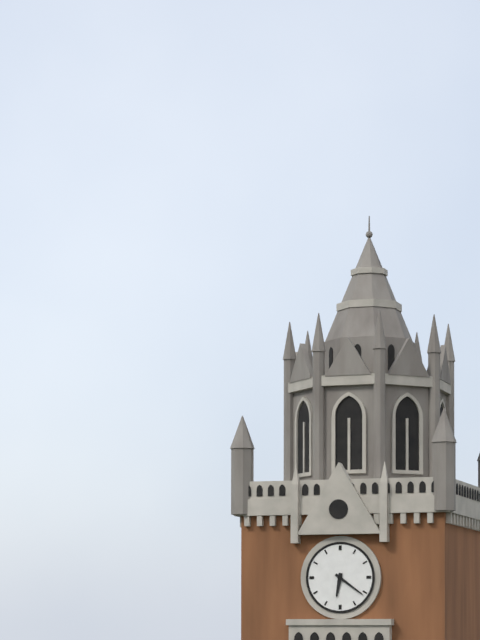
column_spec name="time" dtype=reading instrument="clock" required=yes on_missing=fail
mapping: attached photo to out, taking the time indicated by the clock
6:21
